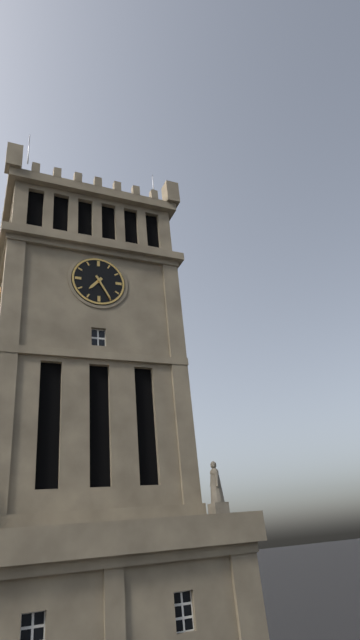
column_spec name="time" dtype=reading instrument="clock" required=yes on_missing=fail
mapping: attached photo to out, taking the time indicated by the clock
7:25
